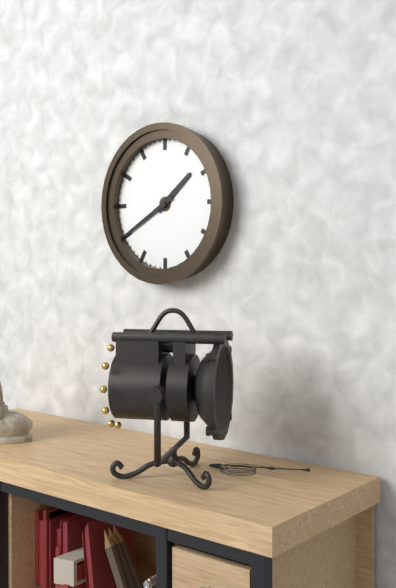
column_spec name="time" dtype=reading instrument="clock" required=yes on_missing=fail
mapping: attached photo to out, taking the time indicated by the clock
1:40
